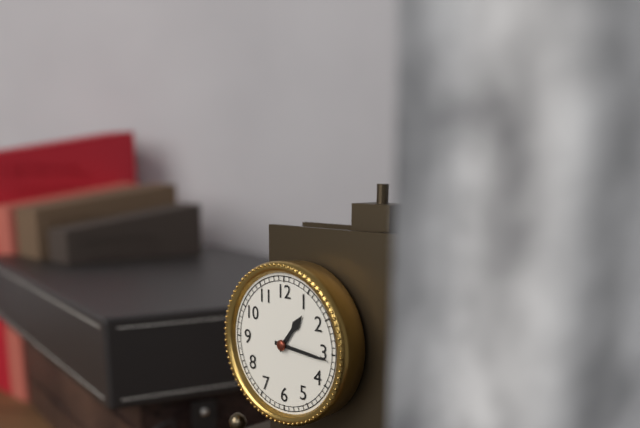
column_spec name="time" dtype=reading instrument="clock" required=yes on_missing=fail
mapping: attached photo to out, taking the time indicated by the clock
1:16
